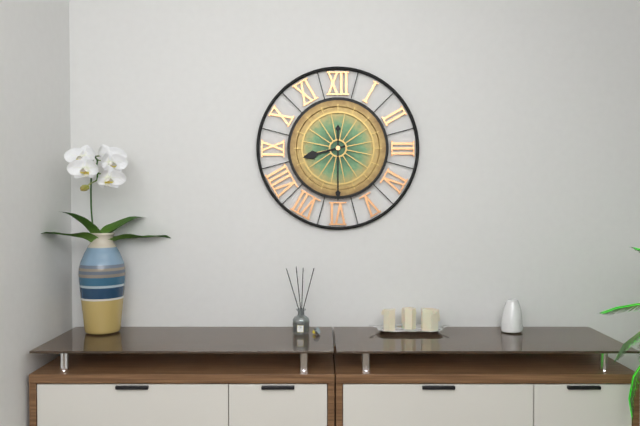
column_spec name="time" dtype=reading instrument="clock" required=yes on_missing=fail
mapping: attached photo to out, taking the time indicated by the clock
8:30
